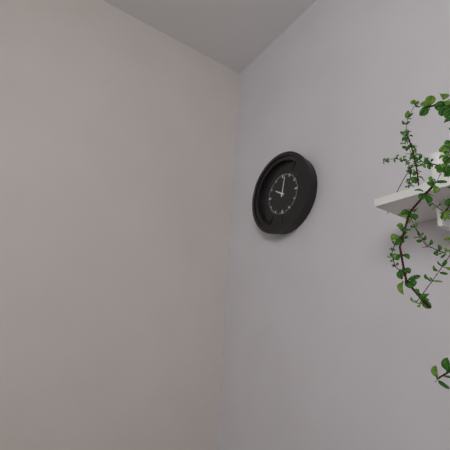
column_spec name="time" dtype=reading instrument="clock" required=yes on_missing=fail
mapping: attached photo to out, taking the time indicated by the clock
10:02
